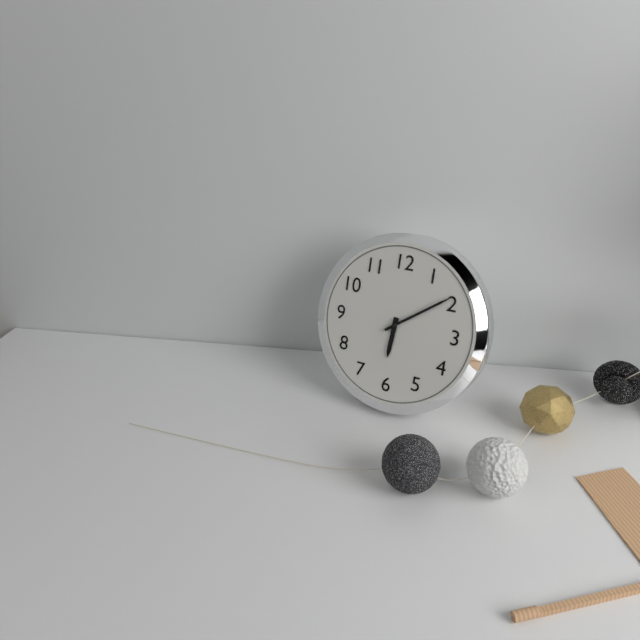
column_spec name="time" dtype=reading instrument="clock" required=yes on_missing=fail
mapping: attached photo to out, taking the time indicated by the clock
6:09
